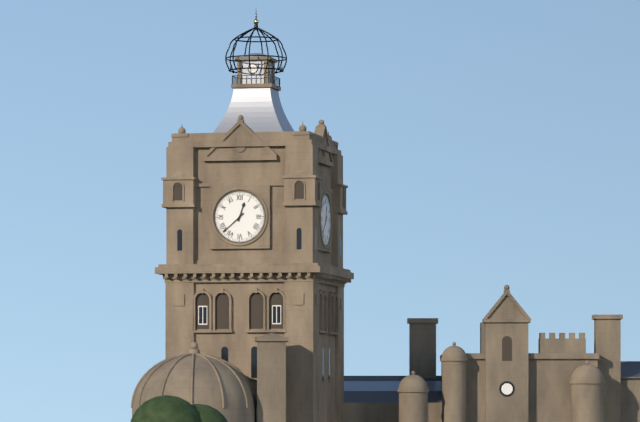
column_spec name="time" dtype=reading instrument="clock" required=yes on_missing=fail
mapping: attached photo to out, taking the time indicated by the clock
12:38
